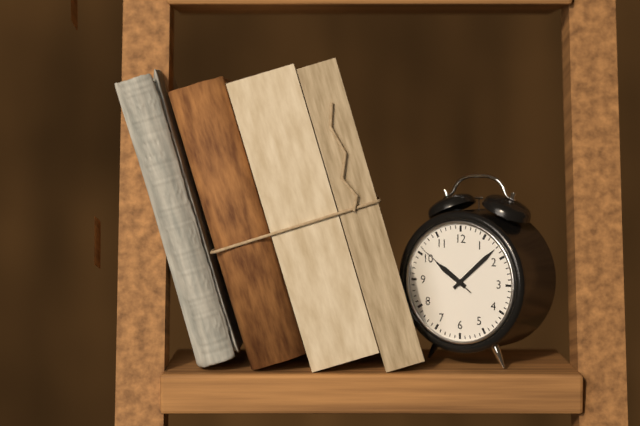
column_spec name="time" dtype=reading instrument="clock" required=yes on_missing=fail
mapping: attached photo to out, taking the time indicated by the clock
10:08:51
